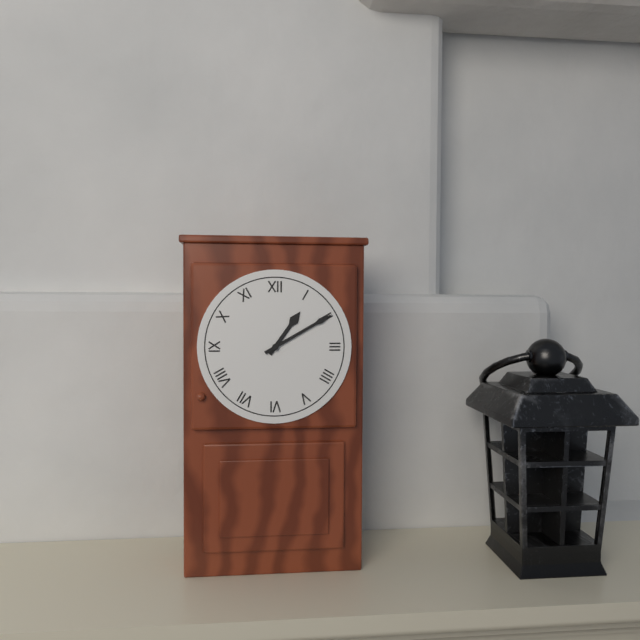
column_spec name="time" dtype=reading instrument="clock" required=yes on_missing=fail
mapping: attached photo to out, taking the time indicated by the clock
1:10
